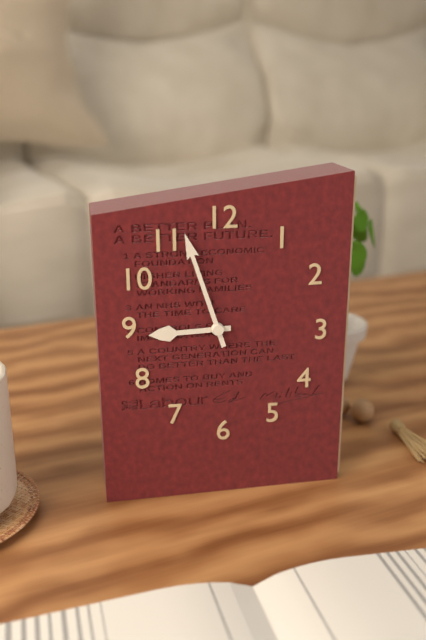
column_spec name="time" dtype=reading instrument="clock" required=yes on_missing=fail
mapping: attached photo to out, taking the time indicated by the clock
8:57
